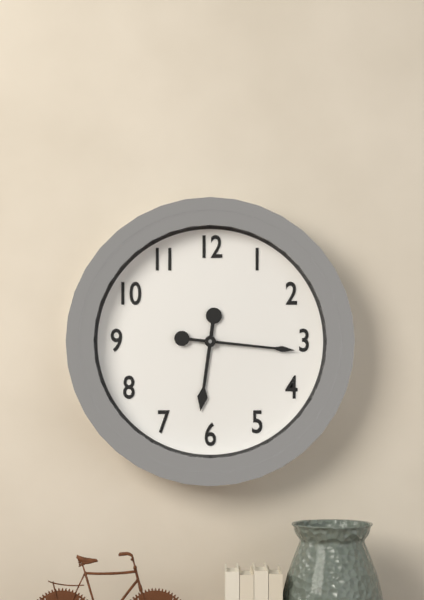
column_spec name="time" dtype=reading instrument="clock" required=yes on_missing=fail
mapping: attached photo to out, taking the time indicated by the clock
6:16
